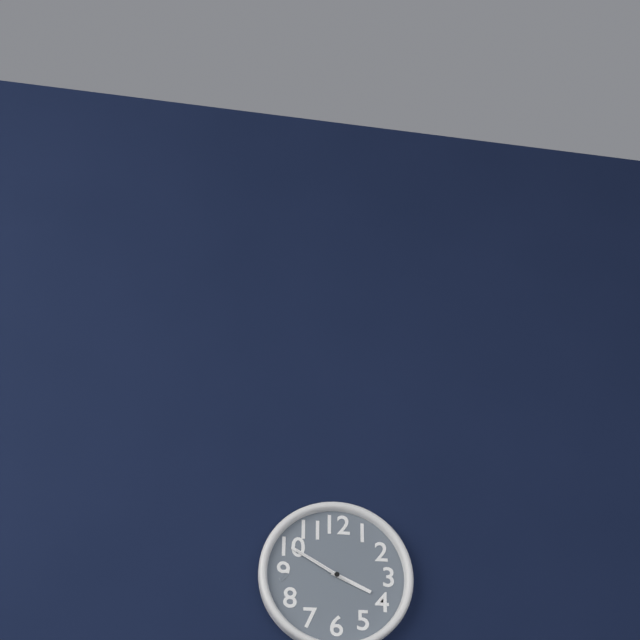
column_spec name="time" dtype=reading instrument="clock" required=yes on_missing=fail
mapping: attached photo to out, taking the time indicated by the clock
3:50:50
